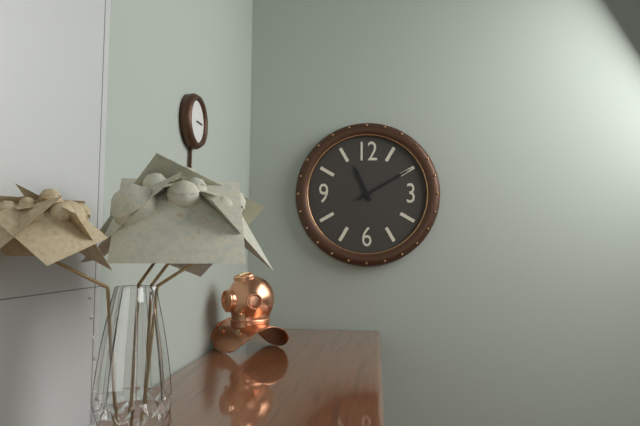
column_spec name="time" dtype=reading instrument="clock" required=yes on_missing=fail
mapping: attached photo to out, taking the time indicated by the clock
11:10
